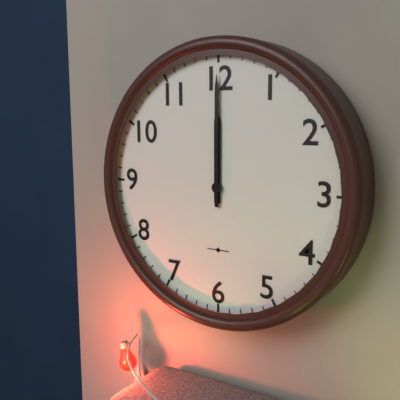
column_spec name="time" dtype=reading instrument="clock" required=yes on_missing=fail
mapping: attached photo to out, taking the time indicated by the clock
12:00
